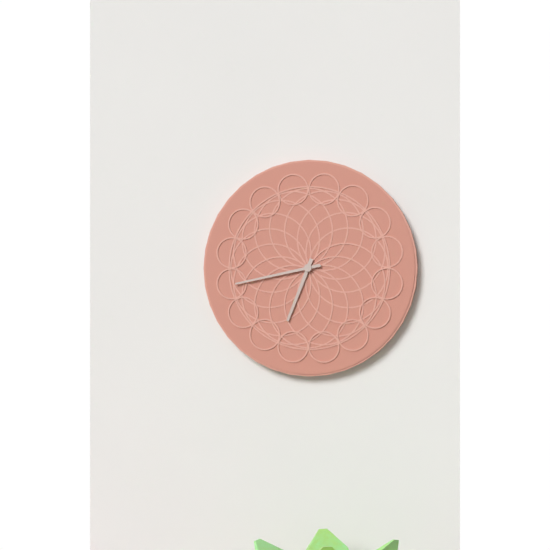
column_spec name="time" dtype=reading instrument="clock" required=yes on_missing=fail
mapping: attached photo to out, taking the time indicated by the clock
6:43
